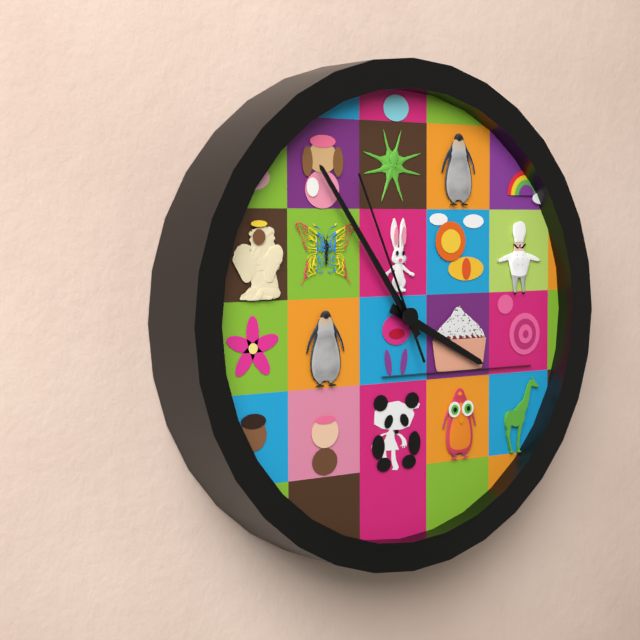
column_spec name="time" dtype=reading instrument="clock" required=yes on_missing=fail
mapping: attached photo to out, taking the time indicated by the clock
3:54:56
